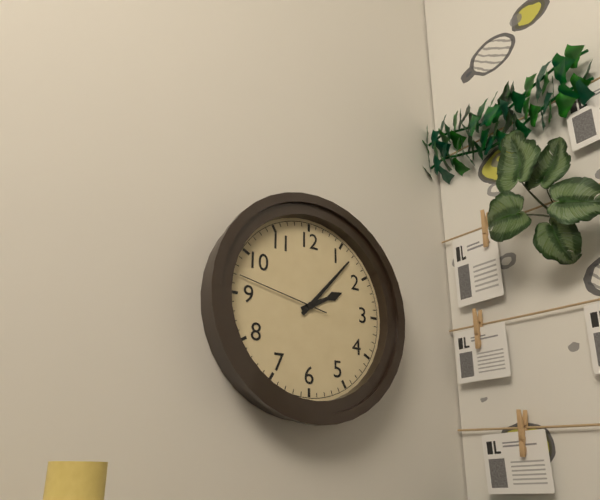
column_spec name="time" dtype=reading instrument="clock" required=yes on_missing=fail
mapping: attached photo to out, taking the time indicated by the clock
2:07:47
